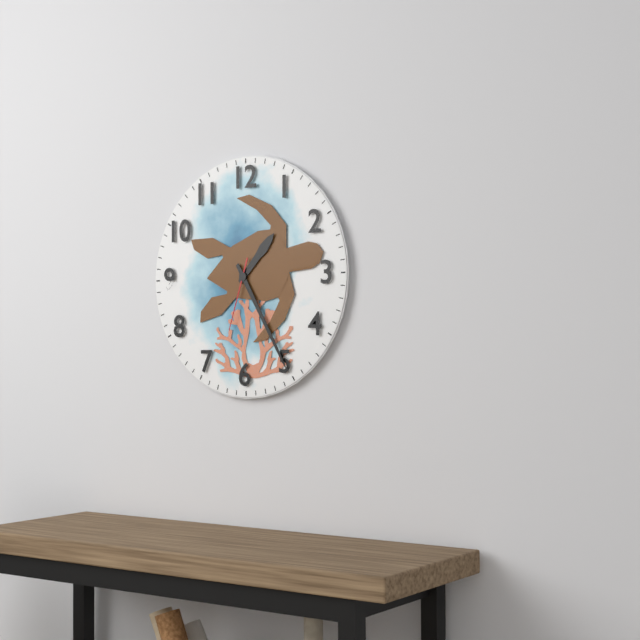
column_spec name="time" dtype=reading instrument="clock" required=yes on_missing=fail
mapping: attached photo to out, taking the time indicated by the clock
1:25:33
